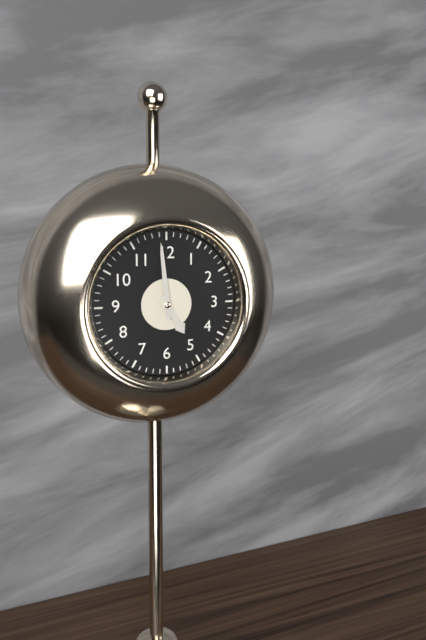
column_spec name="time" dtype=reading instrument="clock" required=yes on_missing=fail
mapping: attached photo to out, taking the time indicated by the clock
4:59
